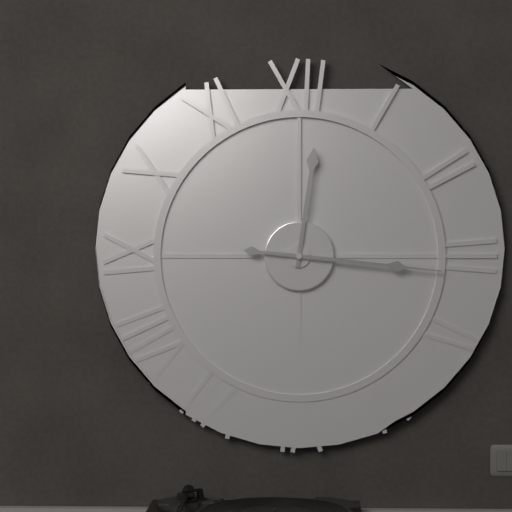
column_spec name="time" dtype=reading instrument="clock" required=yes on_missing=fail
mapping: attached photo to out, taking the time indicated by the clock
12:16
